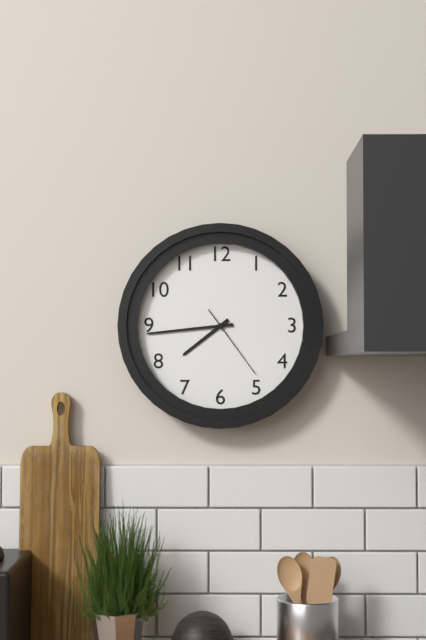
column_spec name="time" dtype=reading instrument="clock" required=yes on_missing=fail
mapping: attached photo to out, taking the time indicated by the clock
7:44:24
